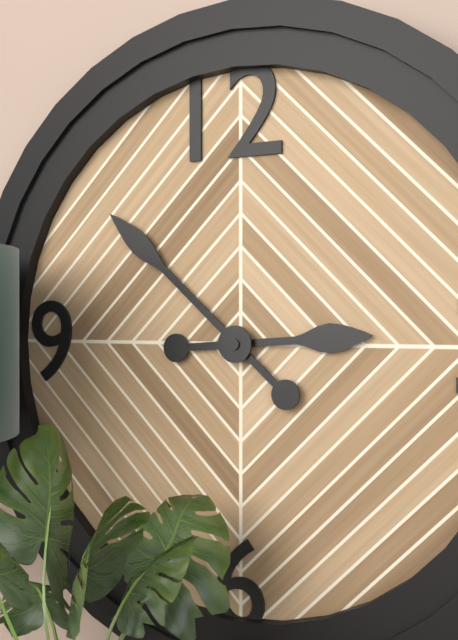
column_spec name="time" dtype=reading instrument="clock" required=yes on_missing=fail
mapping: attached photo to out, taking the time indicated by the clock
2:52
